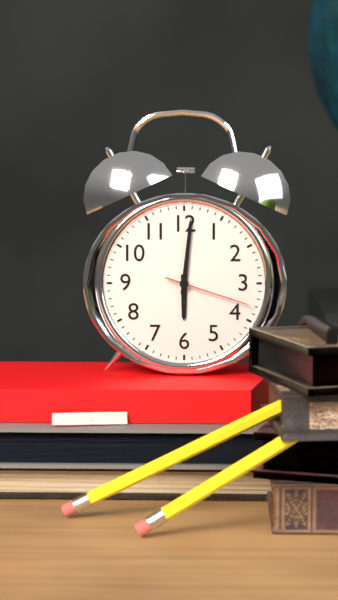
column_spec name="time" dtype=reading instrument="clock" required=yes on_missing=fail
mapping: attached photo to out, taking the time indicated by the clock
6:01:18
